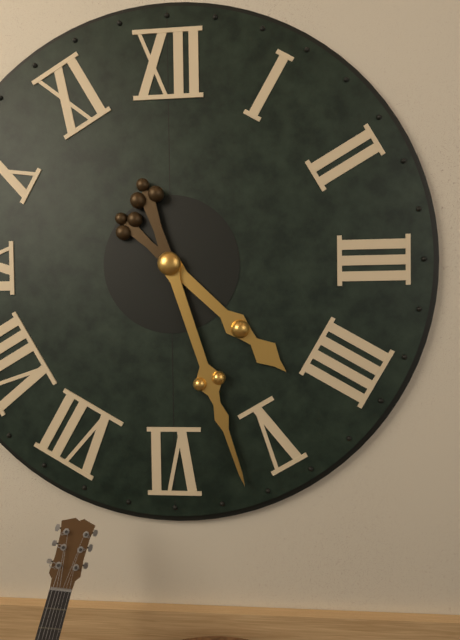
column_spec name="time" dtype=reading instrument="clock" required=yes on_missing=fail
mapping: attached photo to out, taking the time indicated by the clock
4:27
